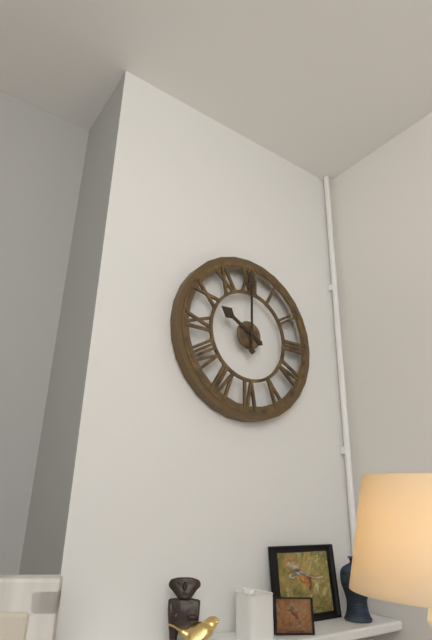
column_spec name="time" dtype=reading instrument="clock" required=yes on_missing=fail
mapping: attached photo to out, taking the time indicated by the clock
10:00
